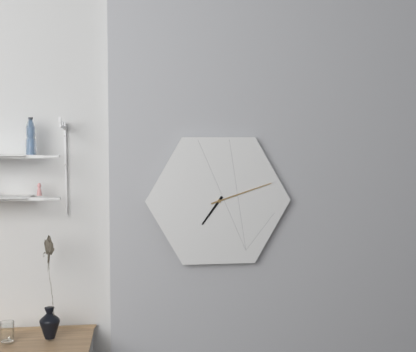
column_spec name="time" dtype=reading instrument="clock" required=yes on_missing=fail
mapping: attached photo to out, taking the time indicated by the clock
7:12
